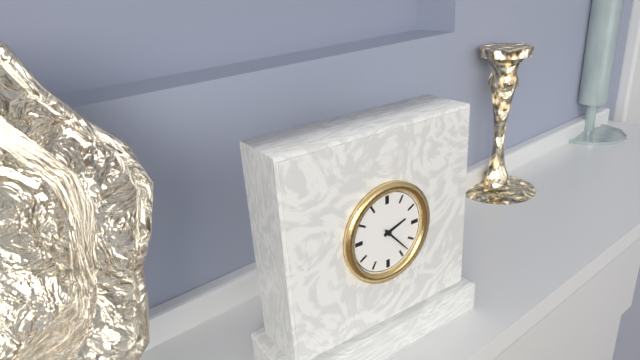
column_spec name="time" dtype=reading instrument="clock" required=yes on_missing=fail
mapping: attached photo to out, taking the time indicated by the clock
2:23
